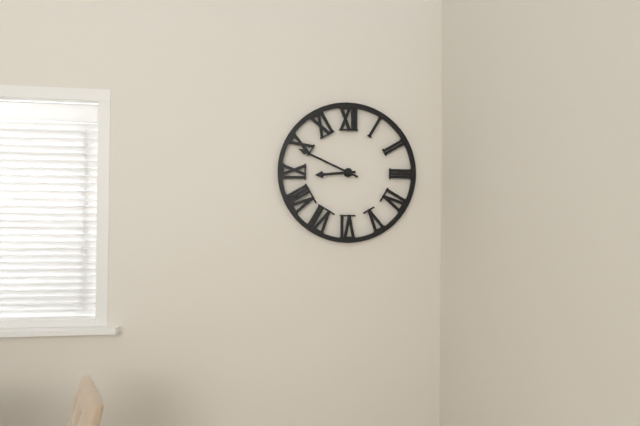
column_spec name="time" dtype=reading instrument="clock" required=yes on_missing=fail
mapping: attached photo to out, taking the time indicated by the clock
8:49
